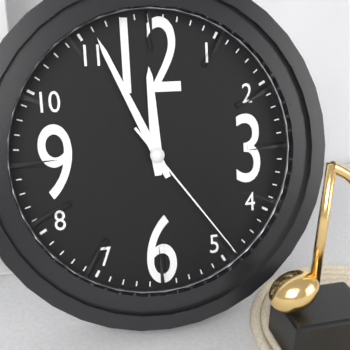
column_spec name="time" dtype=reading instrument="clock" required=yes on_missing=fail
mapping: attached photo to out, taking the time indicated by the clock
11:56:24
